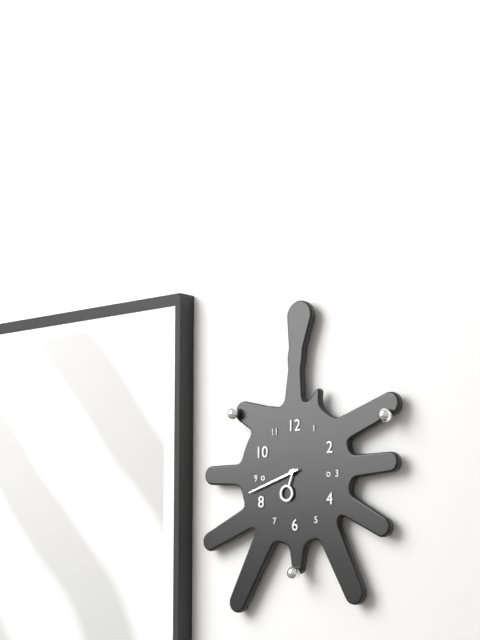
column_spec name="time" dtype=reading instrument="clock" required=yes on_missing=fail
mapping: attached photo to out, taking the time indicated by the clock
6:42
